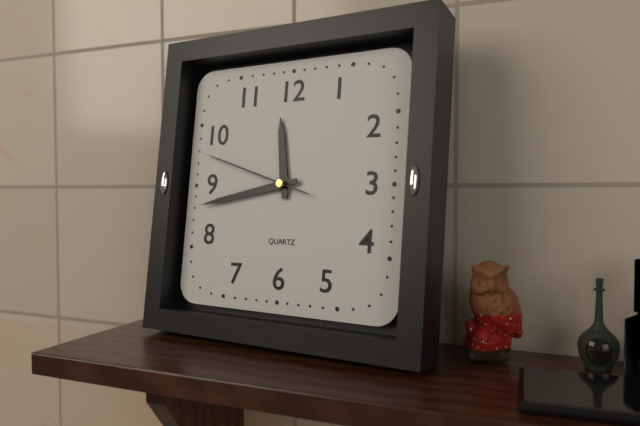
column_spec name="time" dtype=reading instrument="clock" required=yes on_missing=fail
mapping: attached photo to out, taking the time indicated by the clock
11:43:48
